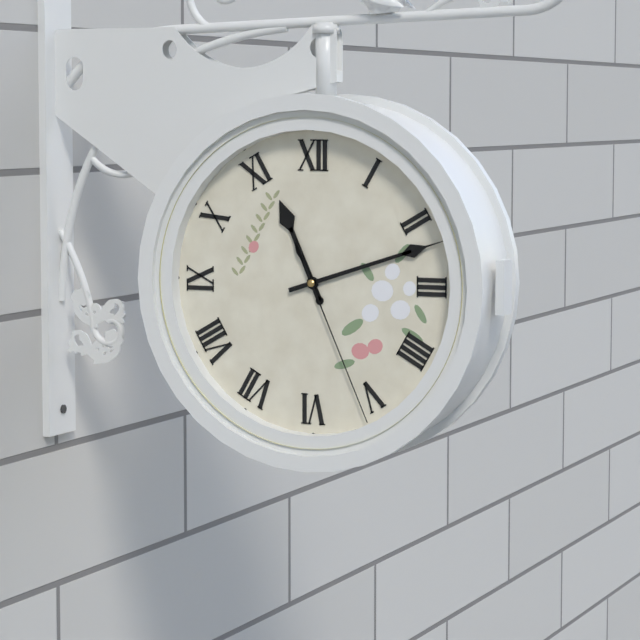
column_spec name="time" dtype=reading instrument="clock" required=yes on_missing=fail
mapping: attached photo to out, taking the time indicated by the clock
11:12:26
